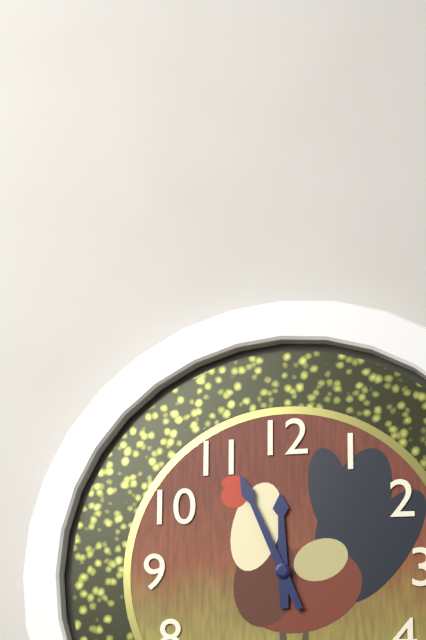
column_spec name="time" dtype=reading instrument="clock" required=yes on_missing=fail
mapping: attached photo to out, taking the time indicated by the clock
11:56
